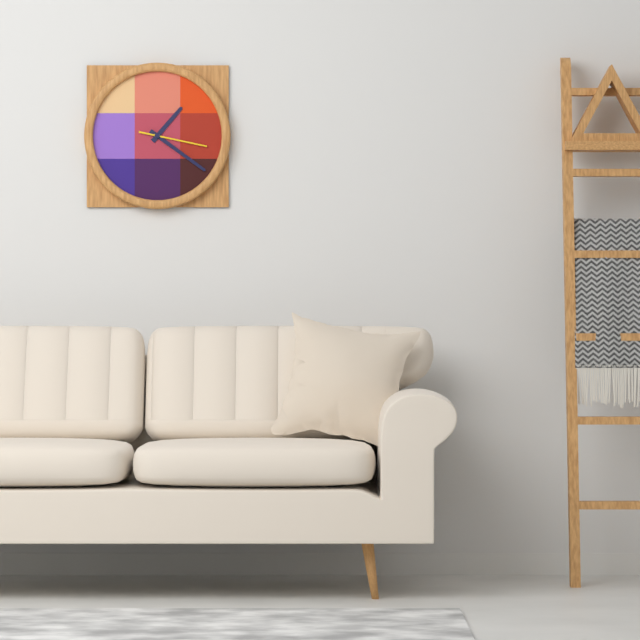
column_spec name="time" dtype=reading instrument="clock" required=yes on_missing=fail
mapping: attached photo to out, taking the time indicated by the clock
1:21:17
